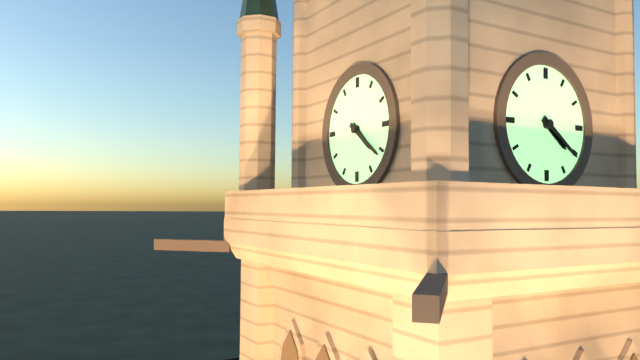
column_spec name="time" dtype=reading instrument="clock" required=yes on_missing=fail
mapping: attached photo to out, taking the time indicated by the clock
4:21
